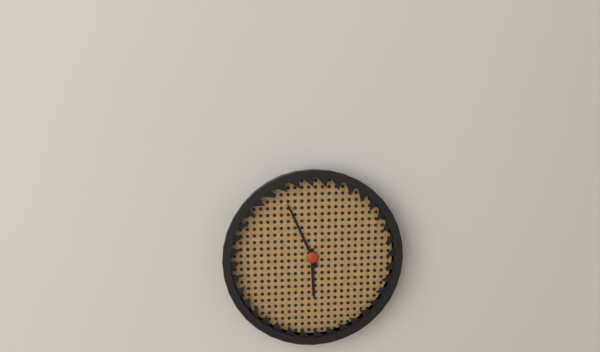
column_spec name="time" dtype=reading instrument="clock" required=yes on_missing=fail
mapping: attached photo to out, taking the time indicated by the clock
5:56
